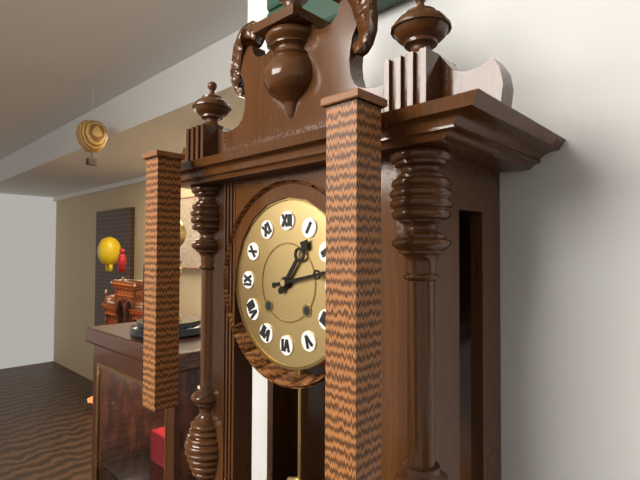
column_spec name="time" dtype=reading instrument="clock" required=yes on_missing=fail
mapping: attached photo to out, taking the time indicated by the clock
1:13
